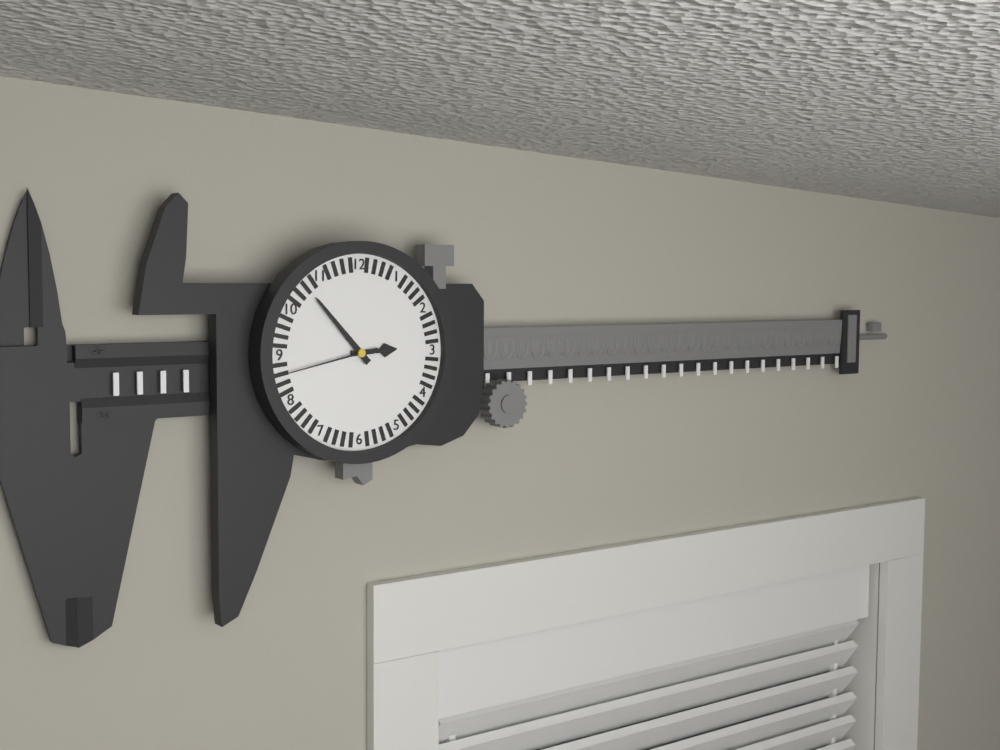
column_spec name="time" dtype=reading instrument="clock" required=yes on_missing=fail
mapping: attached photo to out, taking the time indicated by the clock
2:53:43
